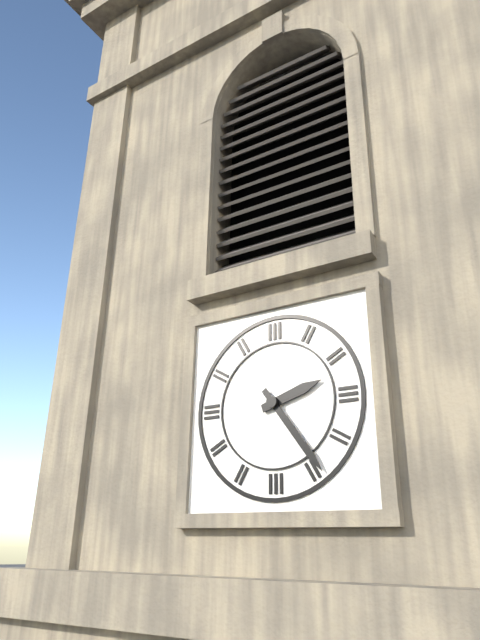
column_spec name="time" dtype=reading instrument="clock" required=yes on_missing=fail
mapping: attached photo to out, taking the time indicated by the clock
2:24
